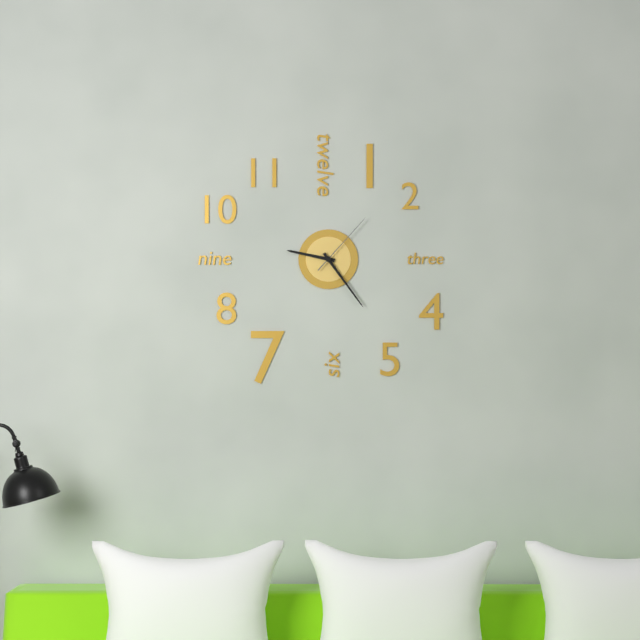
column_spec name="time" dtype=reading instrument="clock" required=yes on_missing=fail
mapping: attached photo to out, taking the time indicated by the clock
9:24:07
